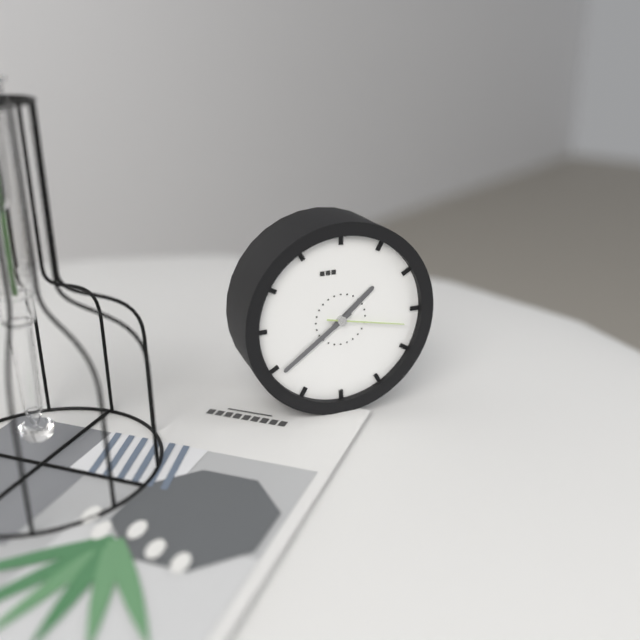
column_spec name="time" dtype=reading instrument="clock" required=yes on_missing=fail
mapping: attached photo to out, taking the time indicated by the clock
1:39:17
